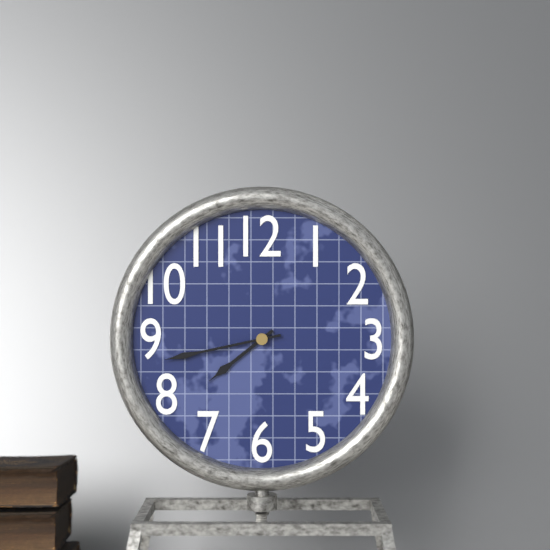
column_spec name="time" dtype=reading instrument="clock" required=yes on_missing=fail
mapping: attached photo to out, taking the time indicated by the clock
7:43
